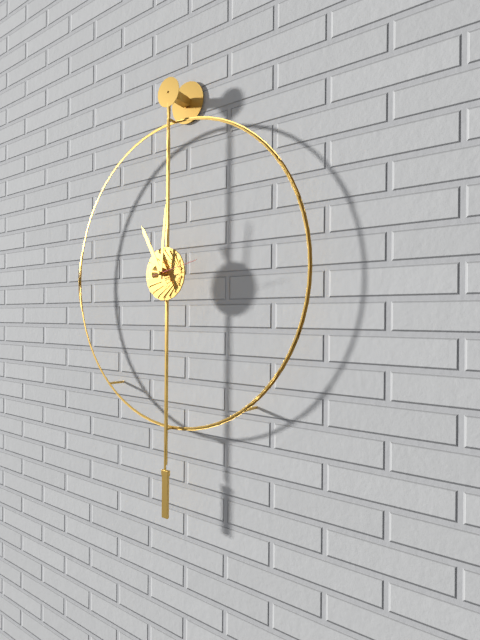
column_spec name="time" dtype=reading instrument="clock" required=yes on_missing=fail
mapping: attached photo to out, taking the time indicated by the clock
11:01
